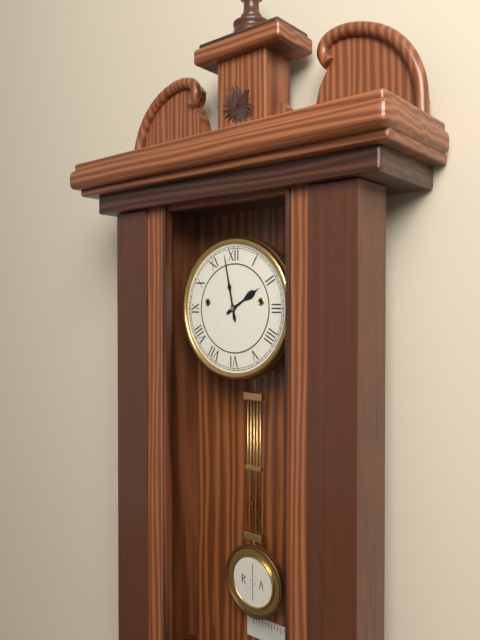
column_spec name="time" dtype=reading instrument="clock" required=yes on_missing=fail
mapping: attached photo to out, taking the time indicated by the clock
1:58
